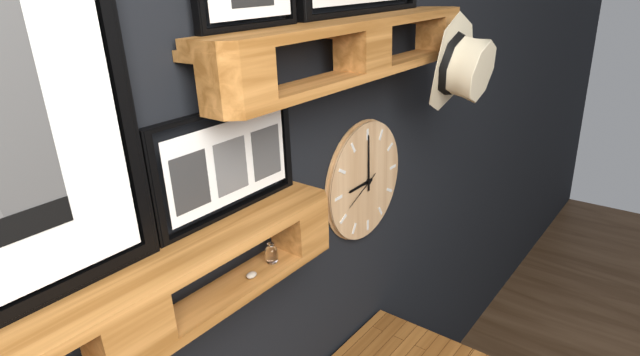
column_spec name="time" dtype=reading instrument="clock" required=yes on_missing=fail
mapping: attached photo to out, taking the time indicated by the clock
9:00
